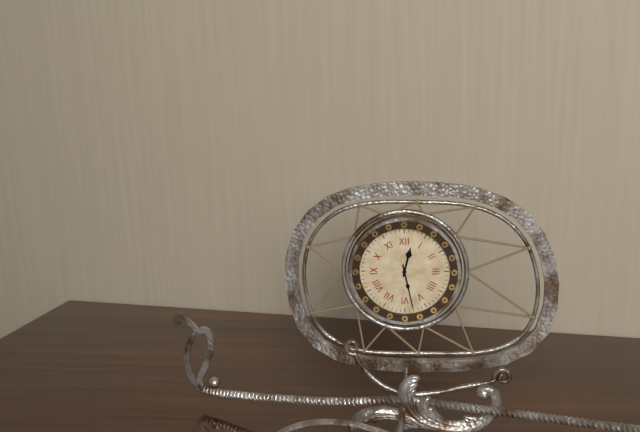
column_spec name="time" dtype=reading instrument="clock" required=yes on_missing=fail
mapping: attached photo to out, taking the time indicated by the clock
12:28
